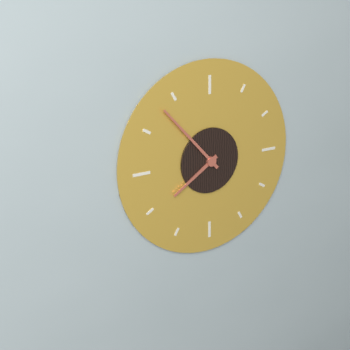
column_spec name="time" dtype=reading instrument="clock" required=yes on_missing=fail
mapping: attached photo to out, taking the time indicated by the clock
7:53
